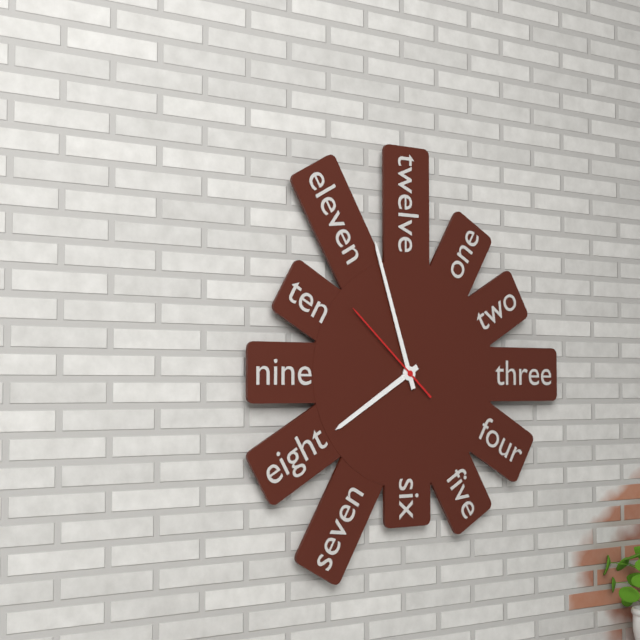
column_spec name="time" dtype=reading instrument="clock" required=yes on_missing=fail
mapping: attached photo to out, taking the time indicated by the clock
7:57:52
